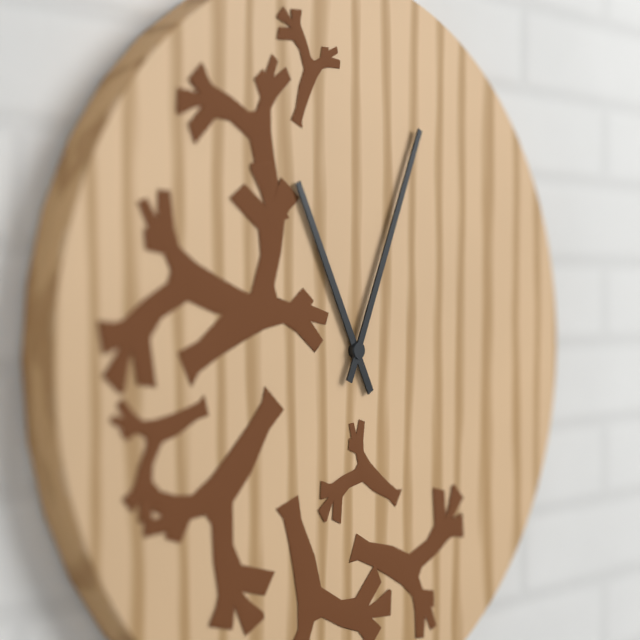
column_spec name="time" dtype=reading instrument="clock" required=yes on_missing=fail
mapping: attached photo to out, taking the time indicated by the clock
11:04
